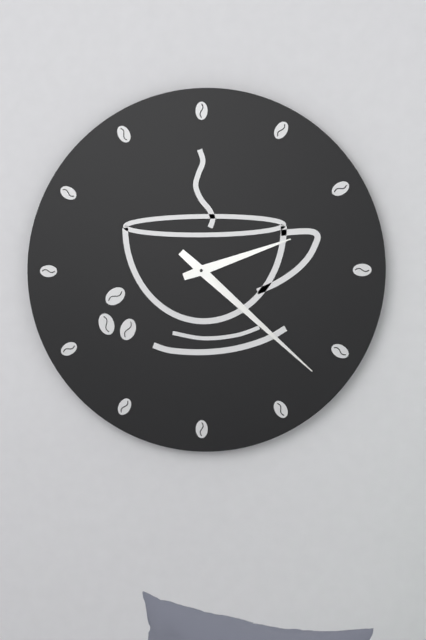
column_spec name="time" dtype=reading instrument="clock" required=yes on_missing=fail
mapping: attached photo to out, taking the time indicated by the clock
2:22
